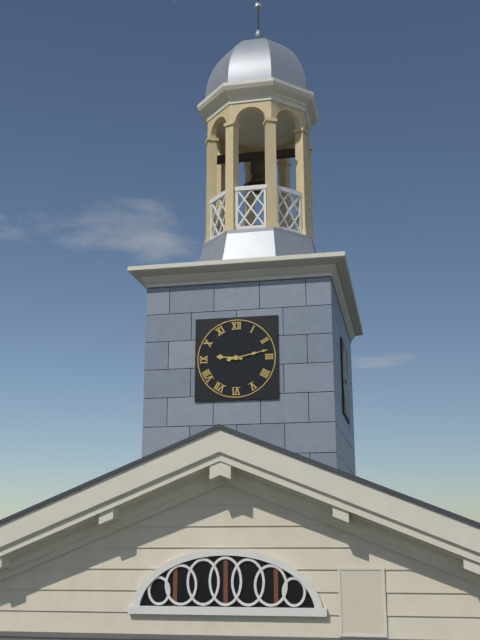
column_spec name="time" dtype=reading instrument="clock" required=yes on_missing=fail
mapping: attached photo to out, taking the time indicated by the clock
9:13
